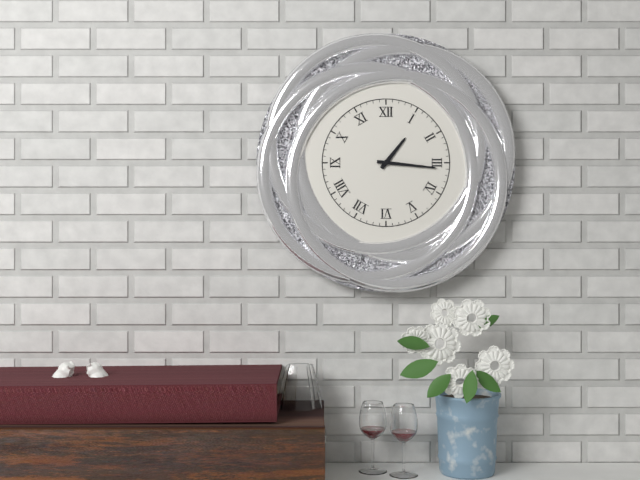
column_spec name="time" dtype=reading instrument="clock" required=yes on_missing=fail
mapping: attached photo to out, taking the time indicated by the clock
1:16
